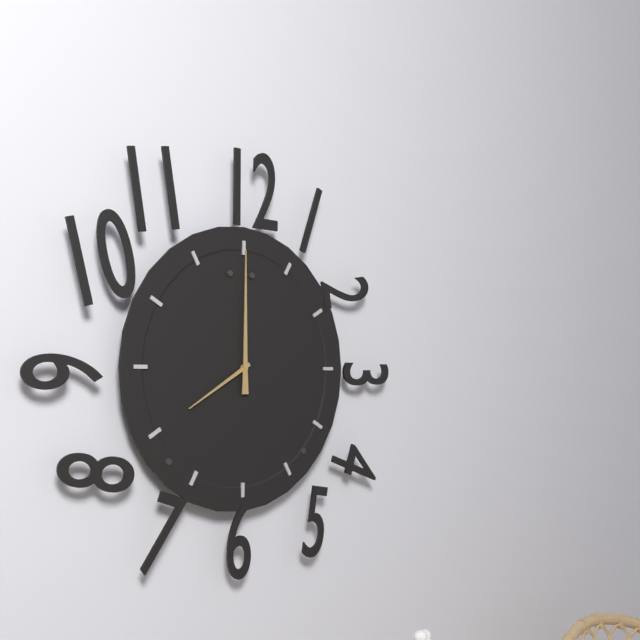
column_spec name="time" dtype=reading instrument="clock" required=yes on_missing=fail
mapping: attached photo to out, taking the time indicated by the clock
8:00
